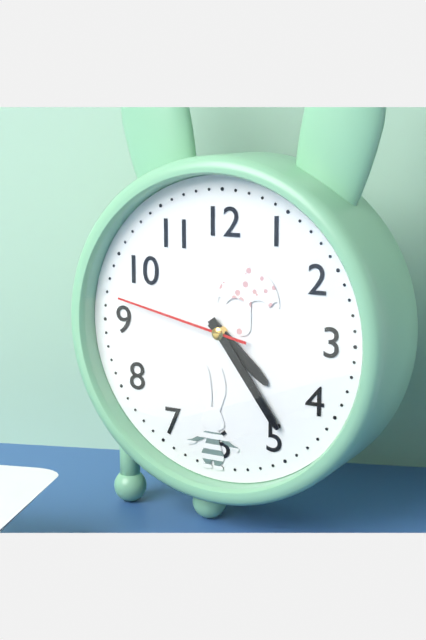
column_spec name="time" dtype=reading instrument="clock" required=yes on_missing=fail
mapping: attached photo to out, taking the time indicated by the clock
4:24:47
